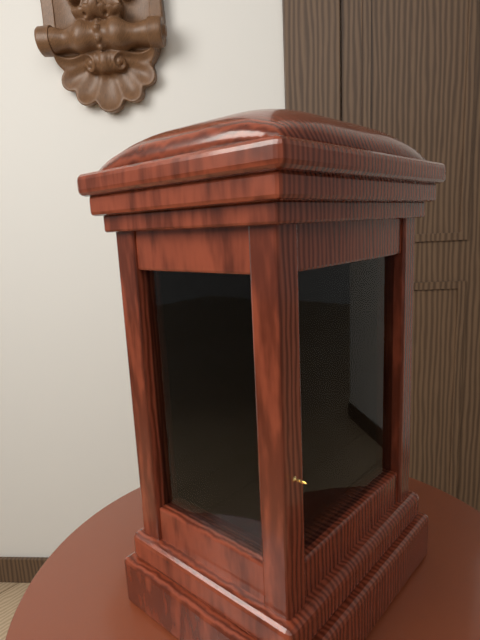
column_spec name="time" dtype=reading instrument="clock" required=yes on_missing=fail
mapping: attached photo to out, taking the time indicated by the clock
4:30
